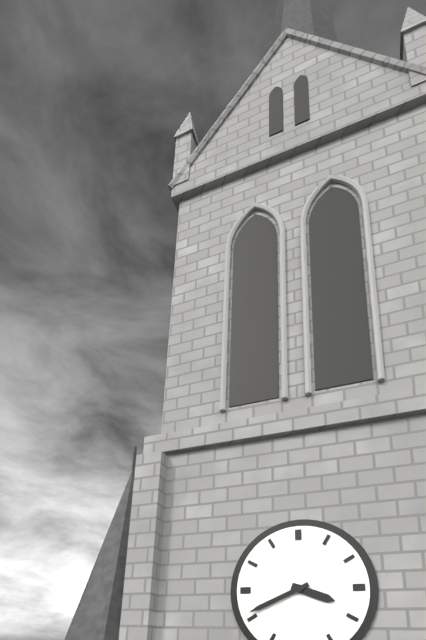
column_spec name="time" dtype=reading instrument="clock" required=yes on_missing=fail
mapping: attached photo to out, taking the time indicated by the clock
3:41
